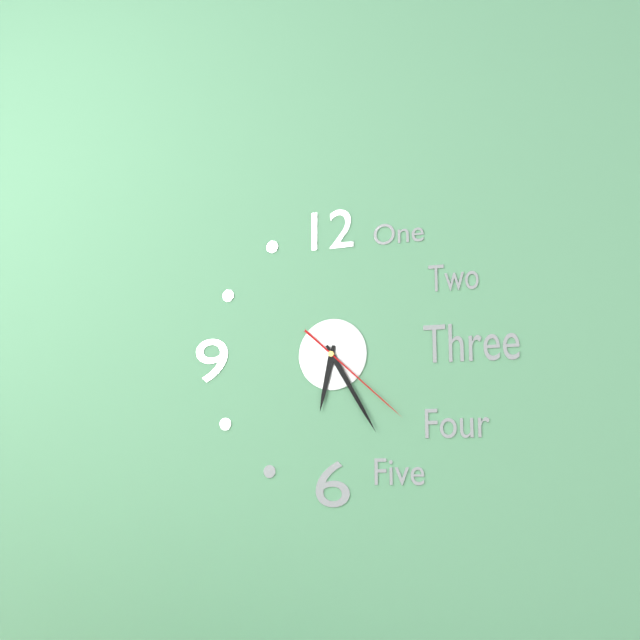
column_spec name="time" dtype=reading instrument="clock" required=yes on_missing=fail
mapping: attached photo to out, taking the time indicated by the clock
6:25:22
